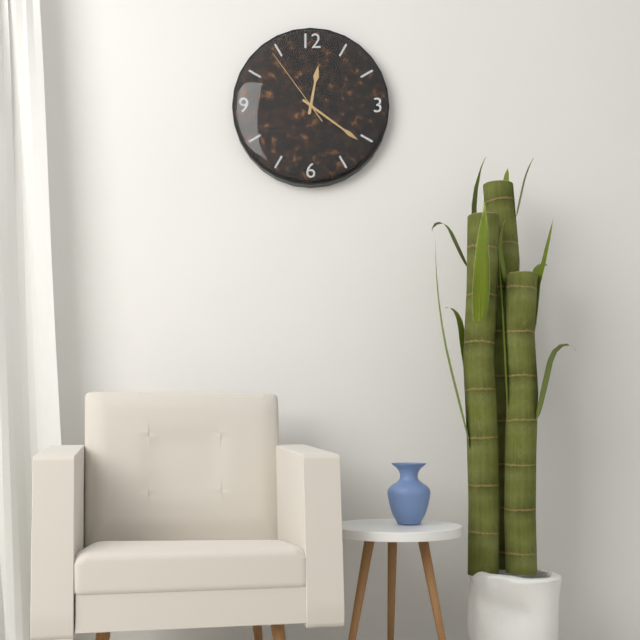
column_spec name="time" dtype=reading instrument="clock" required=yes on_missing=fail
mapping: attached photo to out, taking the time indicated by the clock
12:21:54
